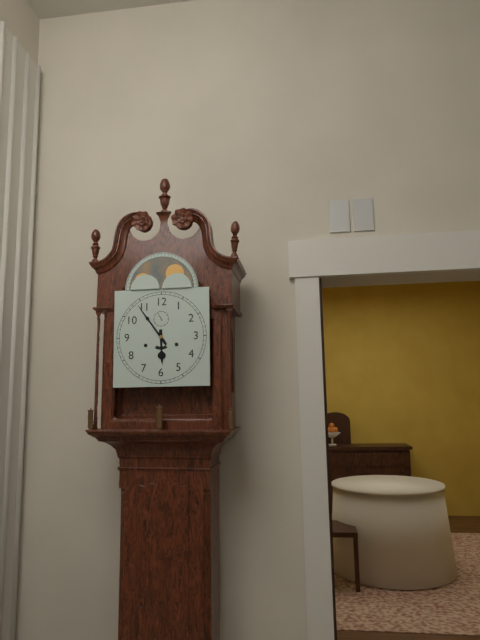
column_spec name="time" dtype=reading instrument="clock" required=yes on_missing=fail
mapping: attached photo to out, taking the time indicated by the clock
5:54
